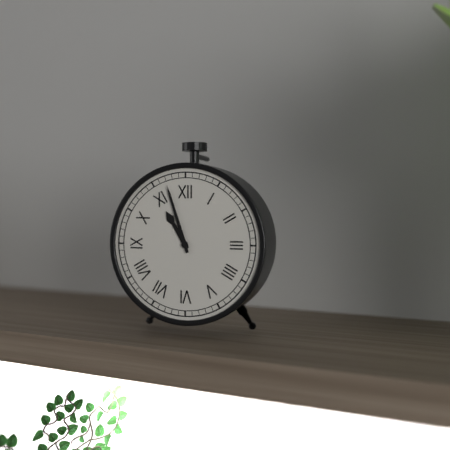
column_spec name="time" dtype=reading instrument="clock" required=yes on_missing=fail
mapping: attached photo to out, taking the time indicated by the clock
10:57
